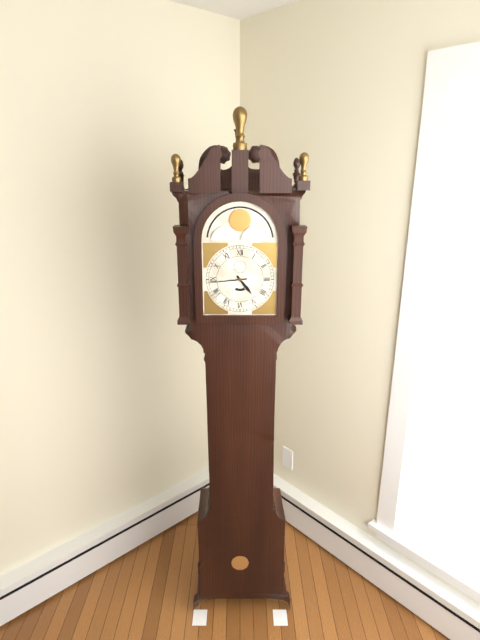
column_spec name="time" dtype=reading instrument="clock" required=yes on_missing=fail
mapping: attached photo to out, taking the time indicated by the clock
4:44
